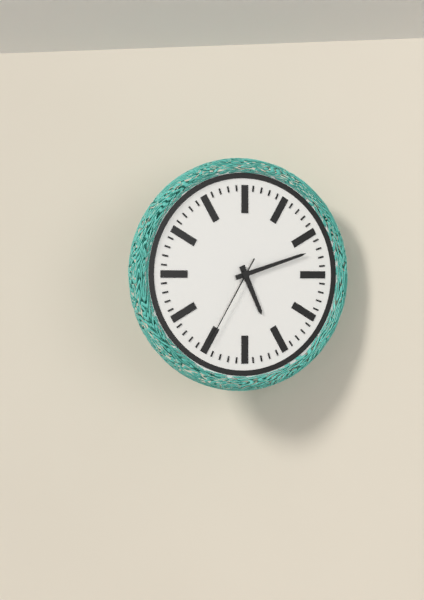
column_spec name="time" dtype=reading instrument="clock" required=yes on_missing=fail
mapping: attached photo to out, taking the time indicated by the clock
5:12:35
